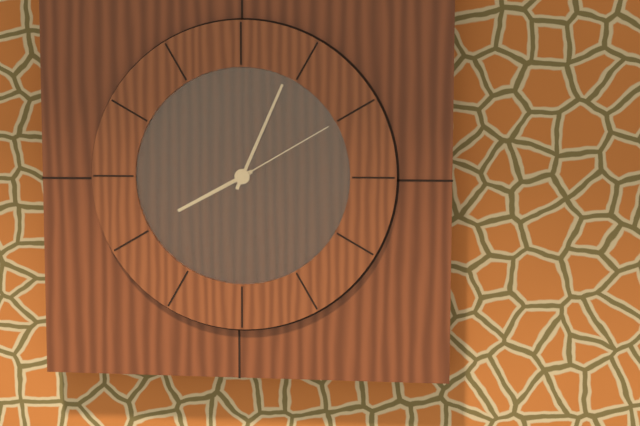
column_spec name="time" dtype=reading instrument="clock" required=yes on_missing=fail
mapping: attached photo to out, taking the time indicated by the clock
8:04:10
